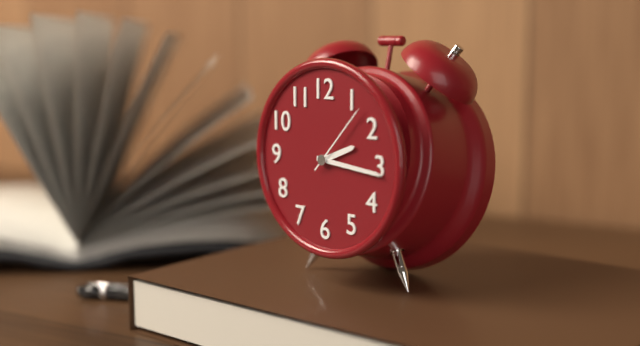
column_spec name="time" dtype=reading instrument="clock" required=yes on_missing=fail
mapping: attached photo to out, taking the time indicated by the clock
2:16:07
